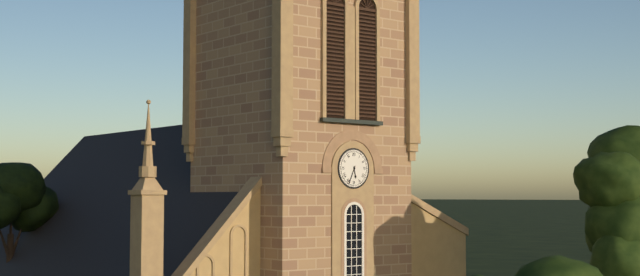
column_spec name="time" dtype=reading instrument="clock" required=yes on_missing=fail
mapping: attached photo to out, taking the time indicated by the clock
5:34
